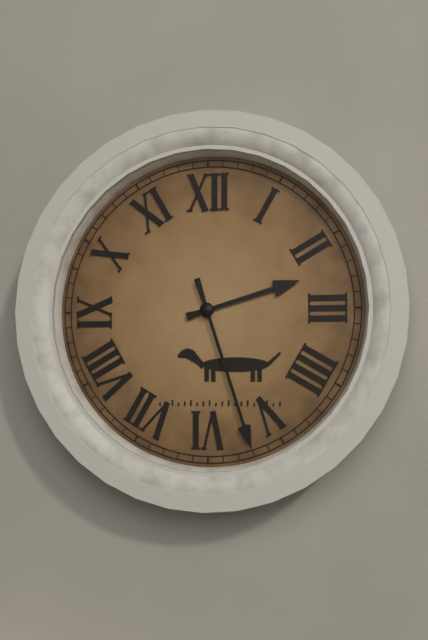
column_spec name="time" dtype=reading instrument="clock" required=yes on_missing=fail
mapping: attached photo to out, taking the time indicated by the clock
2:27
